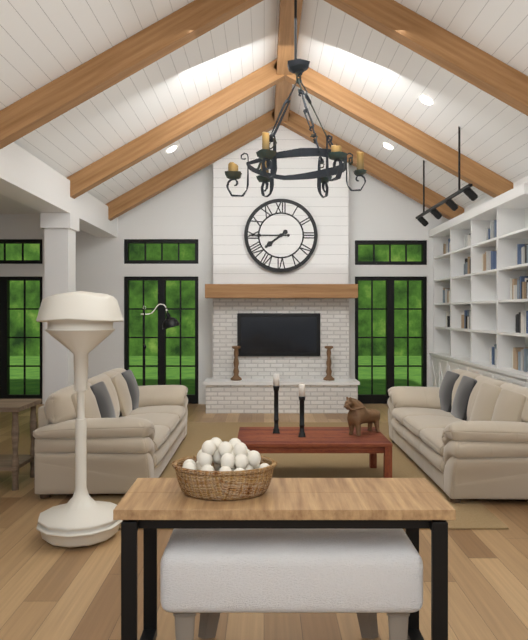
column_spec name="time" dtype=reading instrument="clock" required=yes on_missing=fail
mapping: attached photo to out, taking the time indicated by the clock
7:45
